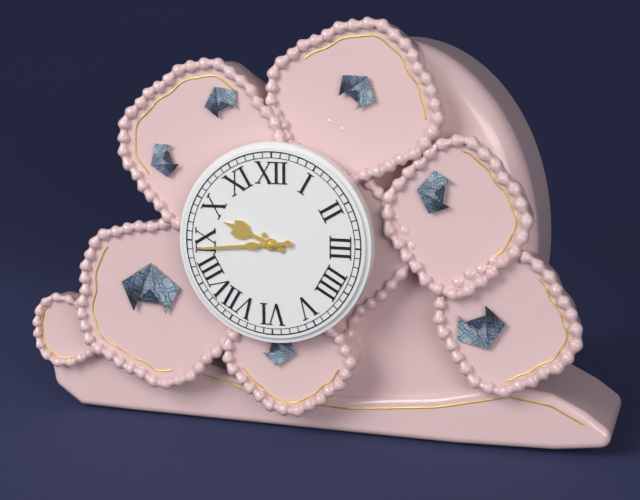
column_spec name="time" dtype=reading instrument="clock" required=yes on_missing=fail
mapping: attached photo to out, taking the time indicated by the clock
9:44
